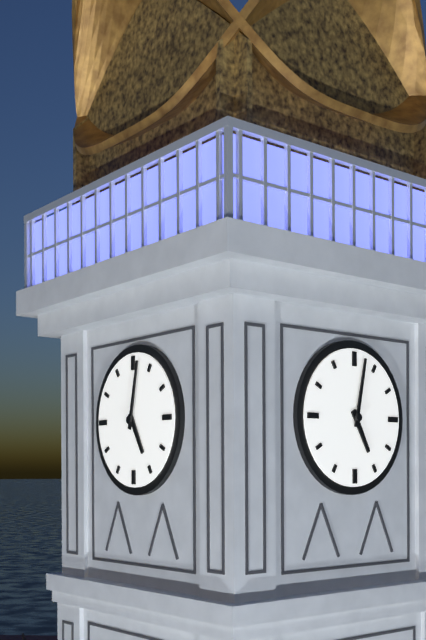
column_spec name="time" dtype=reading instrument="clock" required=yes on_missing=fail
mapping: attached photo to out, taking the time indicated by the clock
5:02
